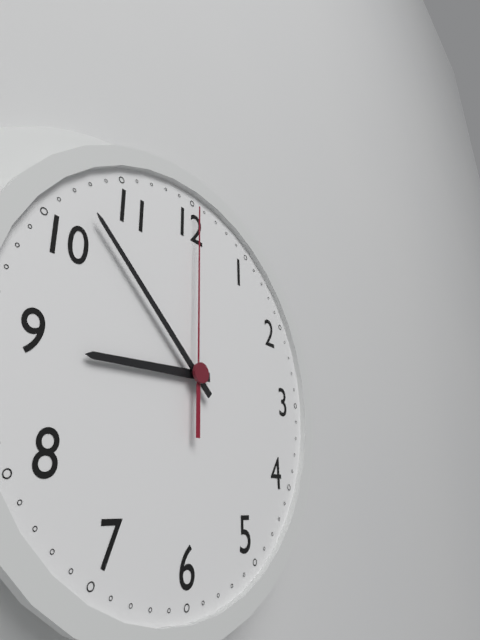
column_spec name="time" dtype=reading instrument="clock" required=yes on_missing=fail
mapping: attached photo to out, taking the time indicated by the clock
8:52:00
